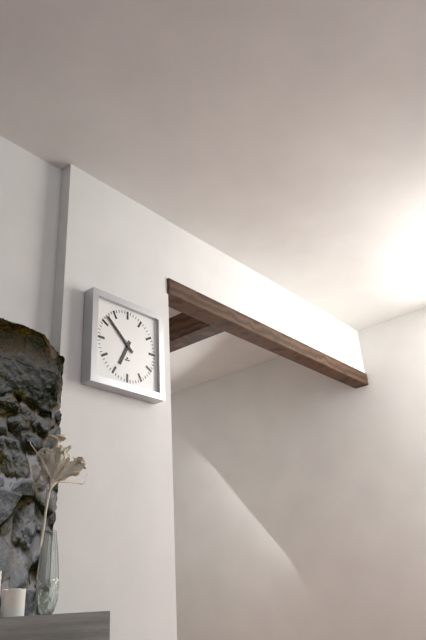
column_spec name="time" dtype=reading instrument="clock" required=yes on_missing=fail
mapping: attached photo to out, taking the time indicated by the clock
6:52
